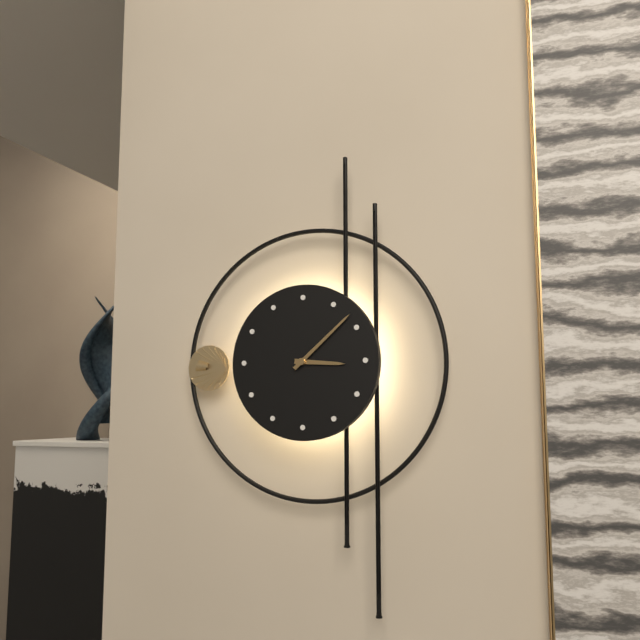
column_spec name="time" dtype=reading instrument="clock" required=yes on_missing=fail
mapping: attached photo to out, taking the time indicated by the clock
3:08
